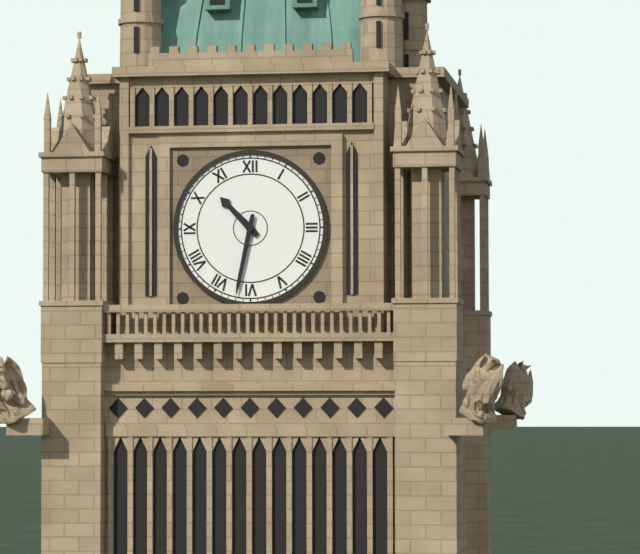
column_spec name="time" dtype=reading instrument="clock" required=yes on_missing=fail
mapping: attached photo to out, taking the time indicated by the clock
10:32
